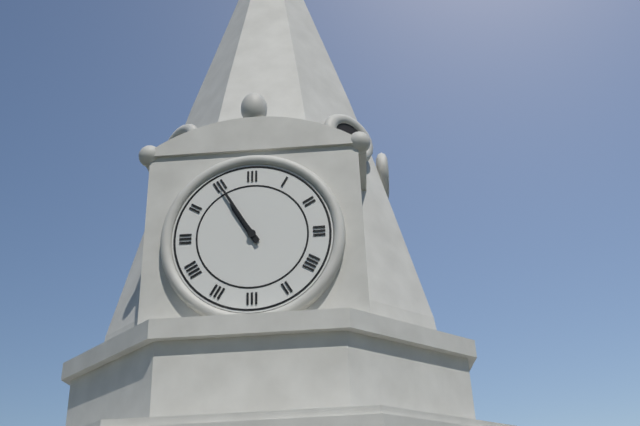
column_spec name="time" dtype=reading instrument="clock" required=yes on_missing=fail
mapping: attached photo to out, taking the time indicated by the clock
10:55
